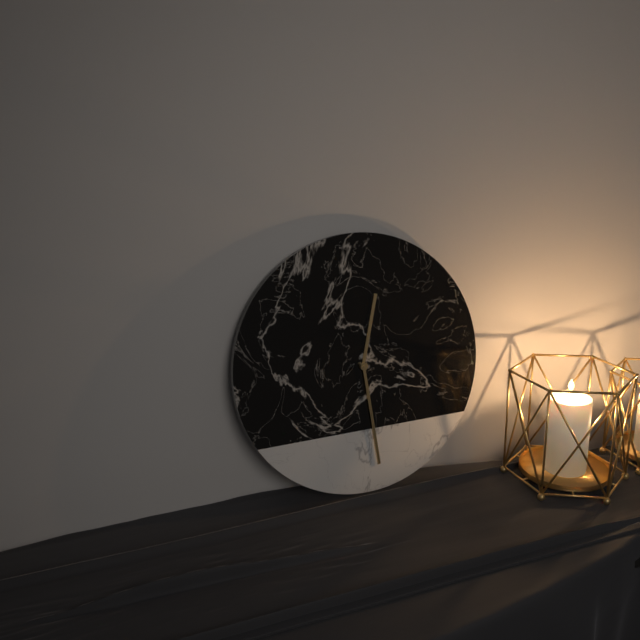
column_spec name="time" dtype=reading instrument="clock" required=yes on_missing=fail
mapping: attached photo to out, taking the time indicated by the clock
12:29
